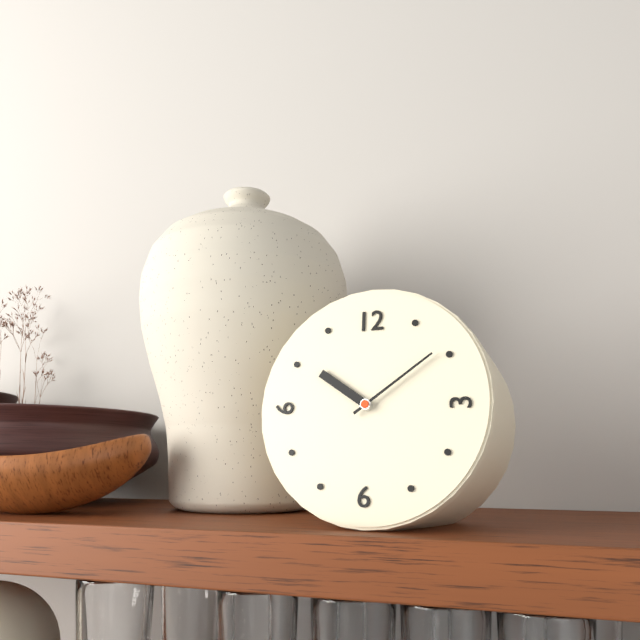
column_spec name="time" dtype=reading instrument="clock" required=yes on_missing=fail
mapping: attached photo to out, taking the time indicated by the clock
10:09
